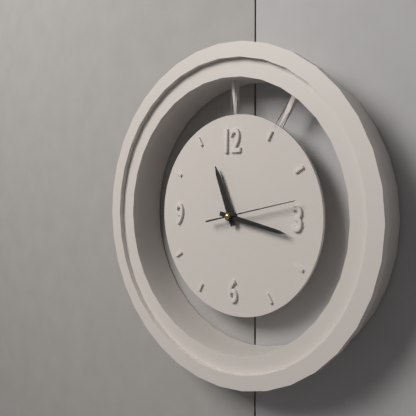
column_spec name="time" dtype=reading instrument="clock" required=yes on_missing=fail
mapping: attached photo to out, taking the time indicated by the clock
11:17:13
